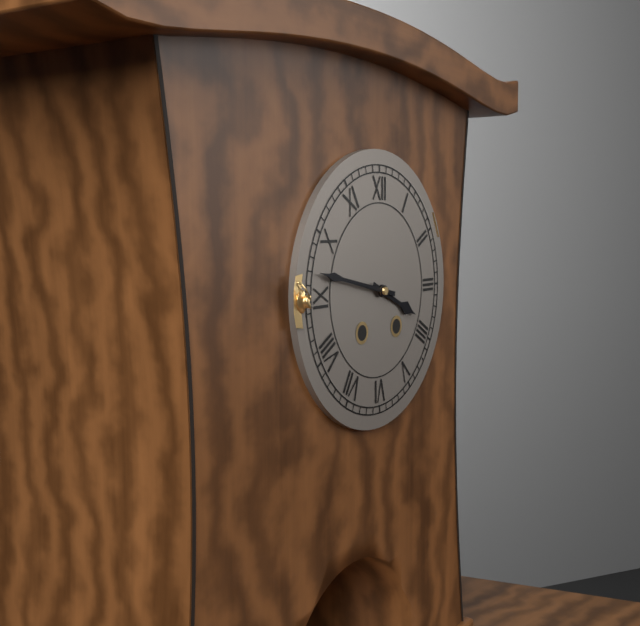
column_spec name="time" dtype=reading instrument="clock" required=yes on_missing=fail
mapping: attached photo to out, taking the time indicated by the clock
3:47
